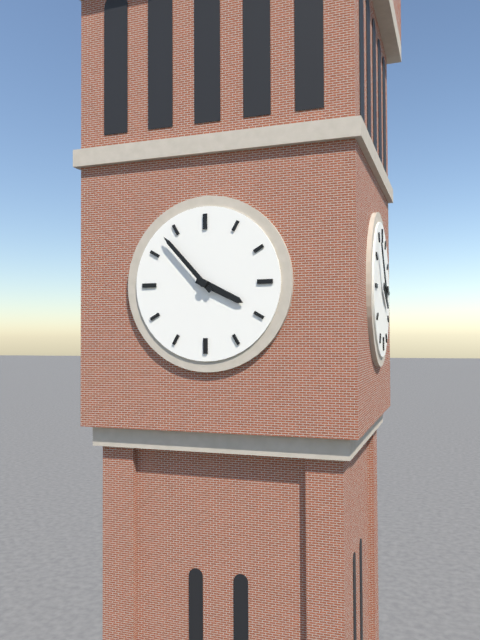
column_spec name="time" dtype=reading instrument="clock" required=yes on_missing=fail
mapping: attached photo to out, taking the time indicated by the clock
3:53
